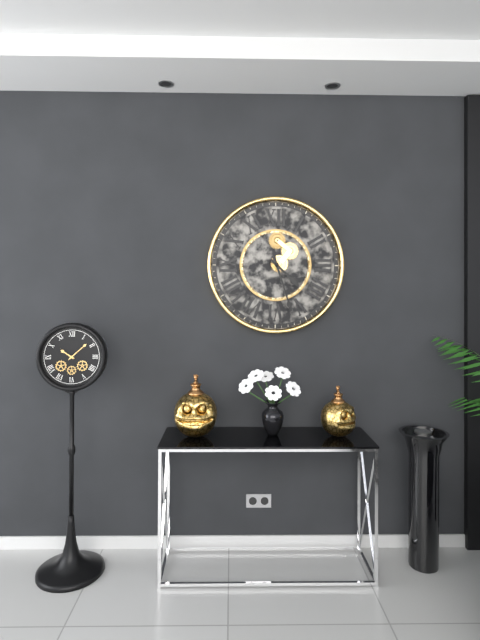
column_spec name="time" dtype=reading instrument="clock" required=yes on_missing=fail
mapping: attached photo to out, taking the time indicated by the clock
4:27
